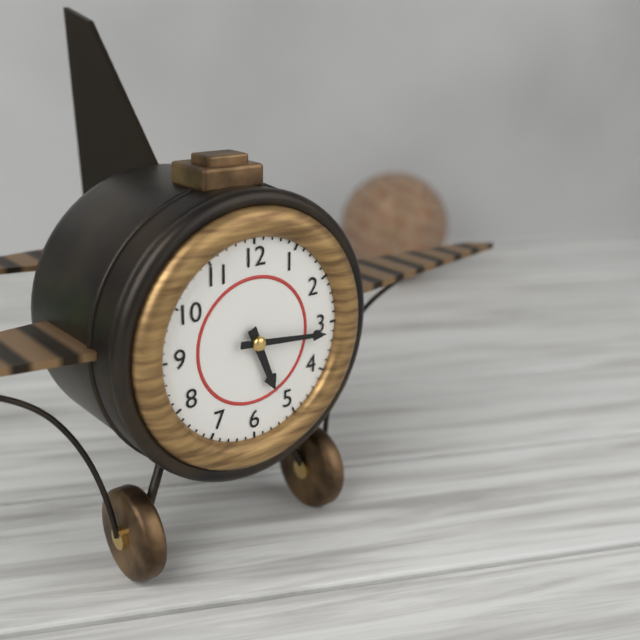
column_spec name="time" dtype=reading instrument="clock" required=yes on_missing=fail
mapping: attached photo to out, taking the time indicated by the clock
5:16
